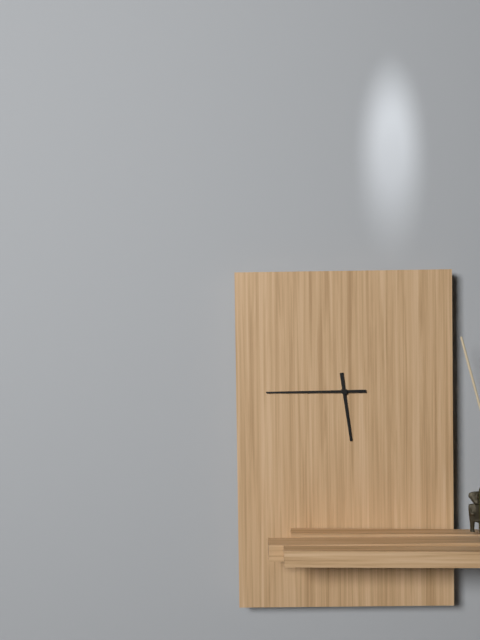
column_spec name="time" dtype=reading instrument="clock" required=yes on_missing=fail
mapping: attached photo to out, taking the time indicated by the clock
5:45
